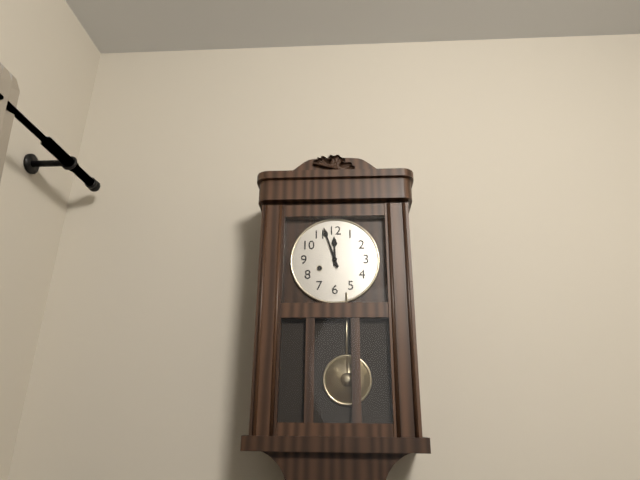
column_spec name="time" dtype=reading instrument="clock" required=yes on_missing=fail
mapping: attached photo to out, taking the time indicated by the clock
11:57
